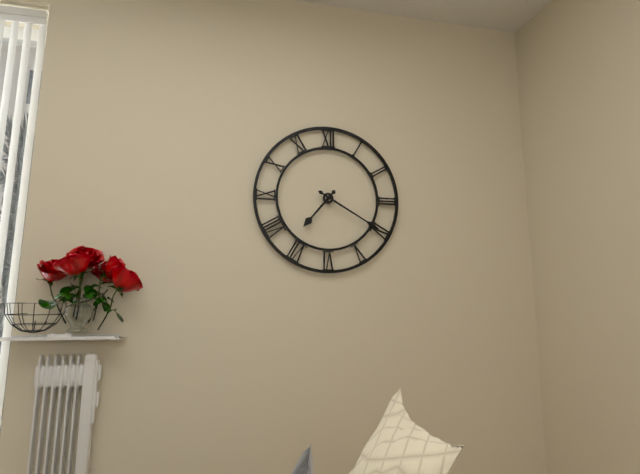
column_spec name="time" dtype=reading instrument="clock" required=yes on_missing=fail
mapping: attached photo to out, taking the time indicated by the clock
7:20
